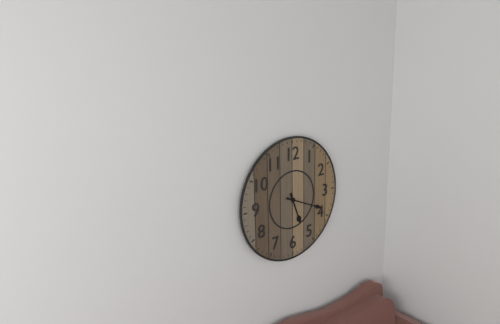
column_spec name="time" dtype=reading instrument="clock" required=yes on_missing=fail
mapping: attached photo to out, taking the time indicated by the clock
5:19
